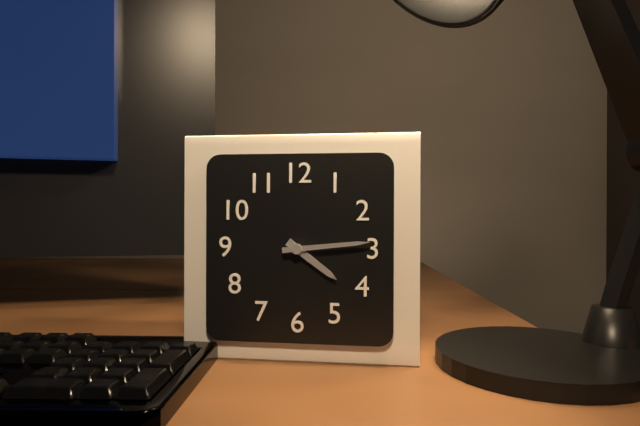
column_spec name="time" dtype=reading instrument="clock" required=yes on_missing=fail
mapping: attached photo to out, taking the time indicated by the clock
4:14
